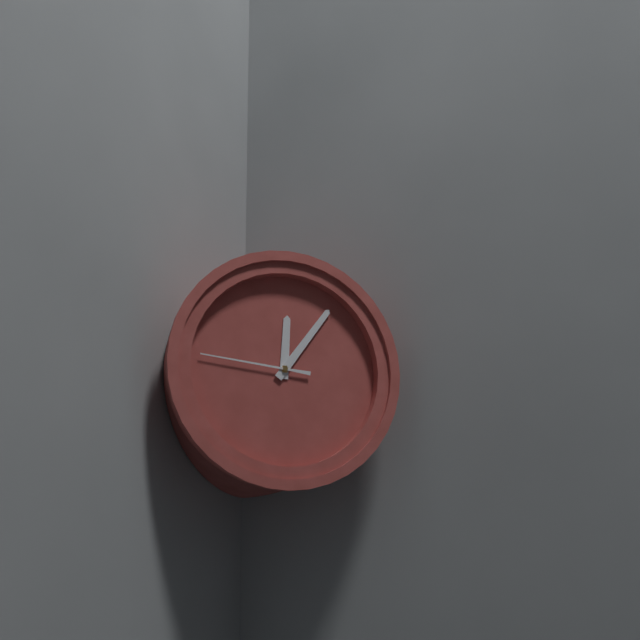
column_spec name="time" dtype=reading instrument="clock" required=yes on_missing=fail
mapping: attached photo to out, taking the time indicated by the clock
12:06:46
